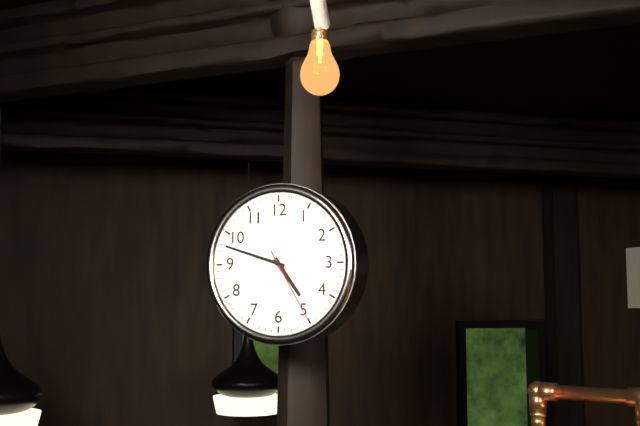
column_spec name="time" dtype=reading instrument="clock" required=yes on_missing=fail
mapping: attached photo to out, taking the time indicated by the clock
4:48:25
